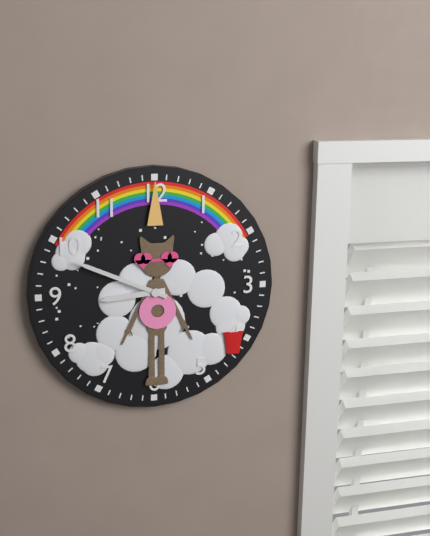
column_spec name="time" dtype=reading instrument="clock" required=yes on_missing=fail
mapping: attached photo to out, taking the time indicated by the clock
8:49
